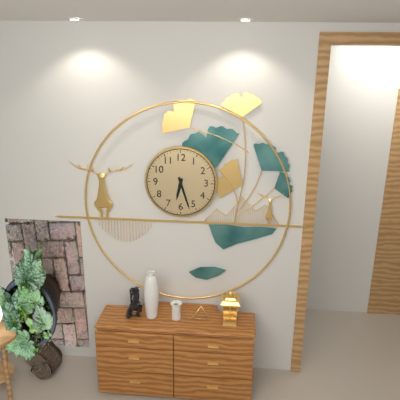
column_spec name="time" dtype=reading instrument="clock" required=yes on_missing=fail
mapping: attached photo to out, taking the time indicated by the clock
6:27
